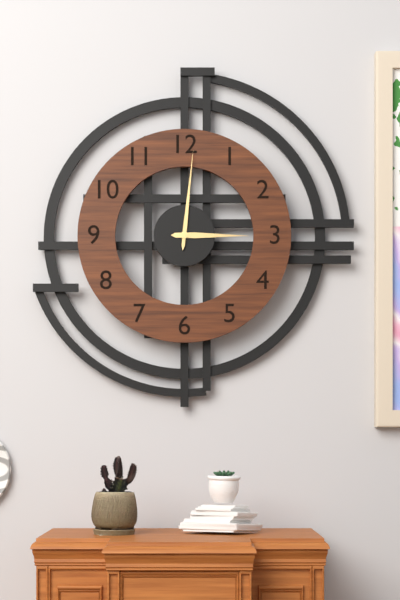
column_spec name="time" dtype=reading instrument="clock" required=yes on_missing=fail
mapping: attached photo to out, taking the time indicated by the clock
3:01
